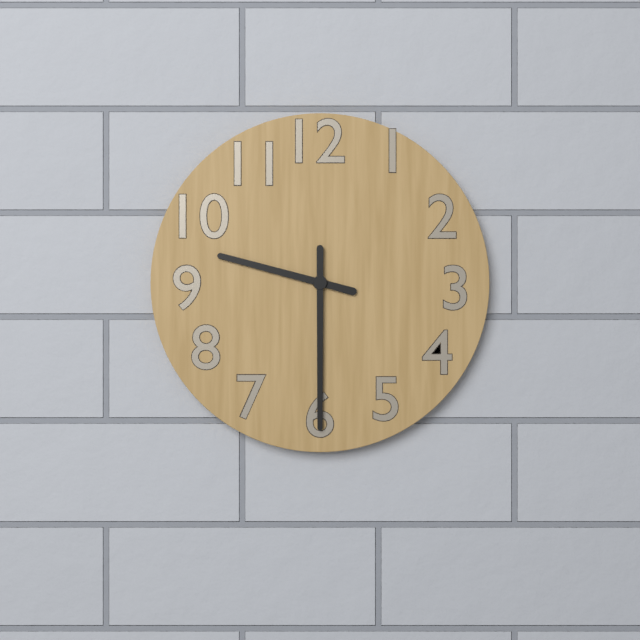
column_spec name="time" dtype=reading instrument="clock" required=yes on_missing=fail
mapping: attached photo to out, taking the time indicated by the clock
9:30
